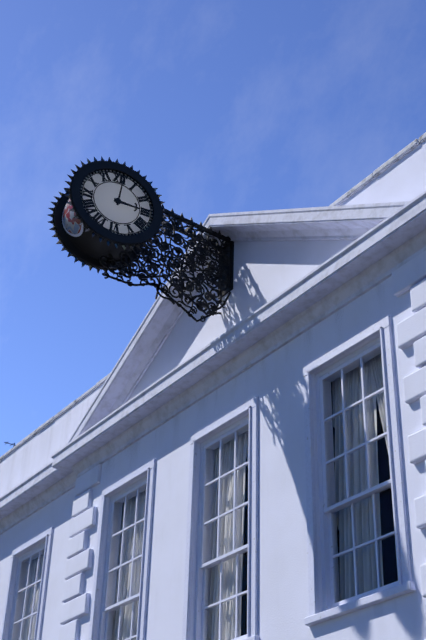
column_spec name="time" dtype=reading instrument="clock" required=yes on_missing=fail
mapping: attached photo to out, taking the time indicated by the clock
3:01
